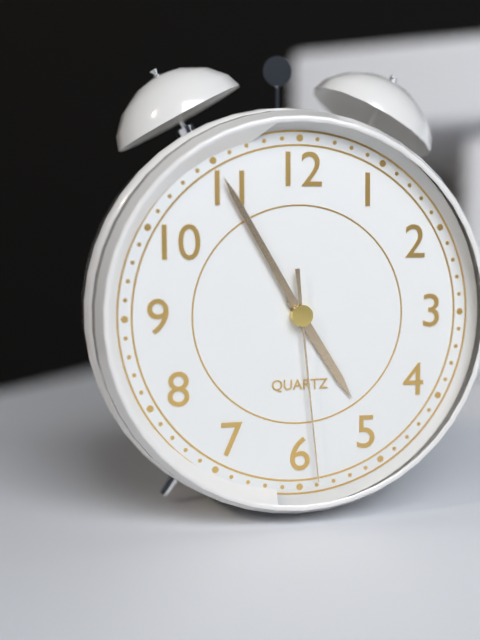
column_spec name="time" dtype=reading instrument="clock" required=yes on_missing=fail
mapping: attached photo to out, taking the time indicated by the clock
4:55:29
